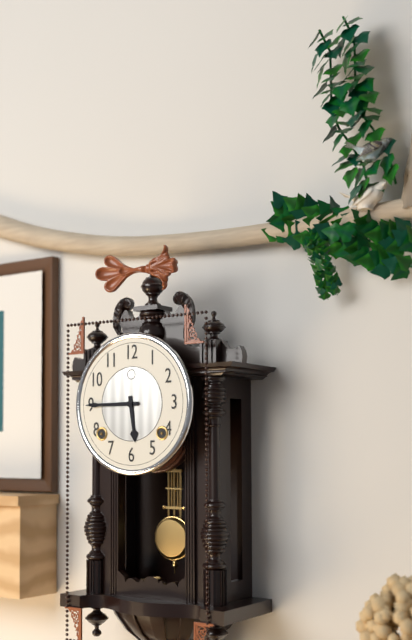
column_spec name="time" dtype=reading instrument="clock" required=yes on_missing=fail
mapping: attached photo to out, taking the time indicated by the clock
5:45
